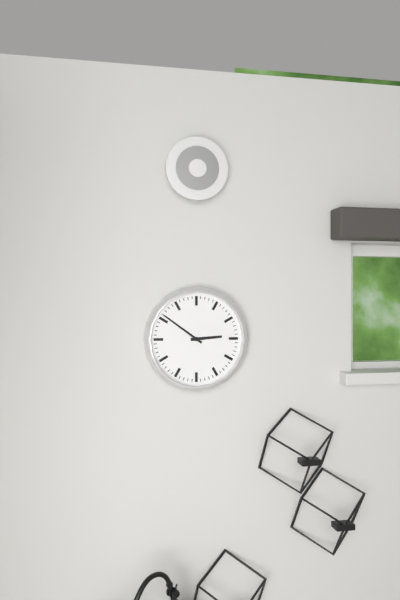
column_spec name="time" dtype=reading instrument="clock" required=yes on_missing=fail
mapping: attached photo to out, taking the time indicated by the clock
2:51
